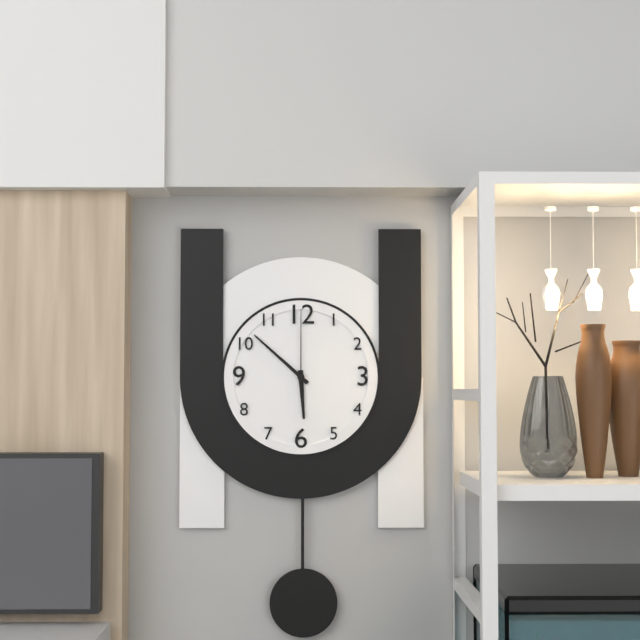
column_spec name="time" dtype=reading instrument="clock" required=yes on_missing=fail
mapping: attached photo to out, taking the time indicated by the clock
5:52:00
